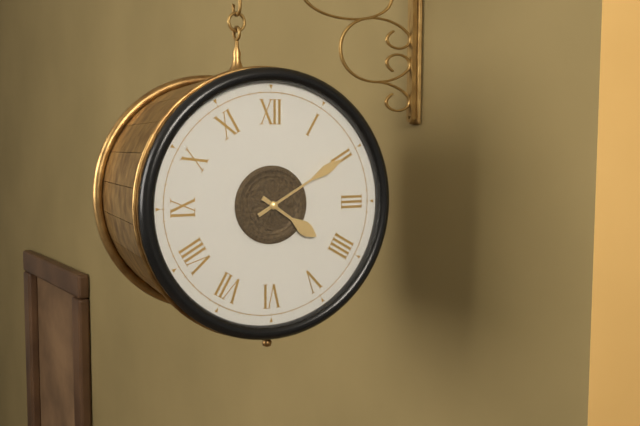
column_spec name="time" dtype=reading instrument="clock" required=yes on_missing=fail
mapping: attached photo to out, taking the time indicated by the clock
4:10
